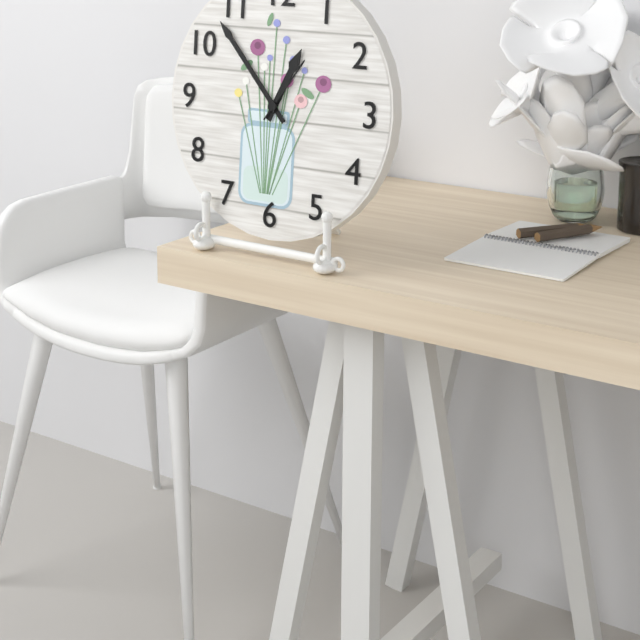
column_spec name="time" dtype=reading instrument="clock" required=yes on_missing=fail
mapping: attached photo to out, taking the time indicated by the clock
12:53:06
